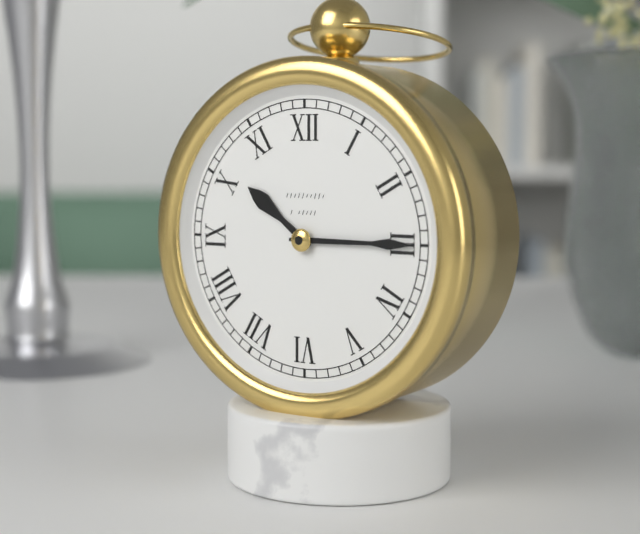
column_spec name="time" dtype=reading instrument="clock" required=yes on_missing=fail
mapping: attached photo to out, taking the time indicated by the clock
10:15
